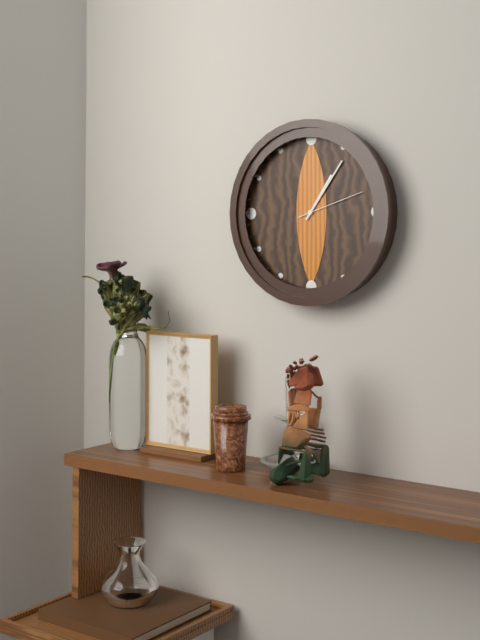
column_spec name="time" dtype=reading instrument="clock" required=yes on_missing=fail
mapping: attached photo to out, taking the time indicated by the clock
1:06:12
